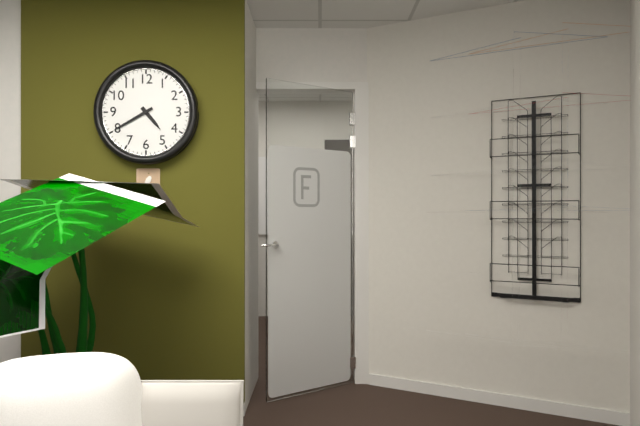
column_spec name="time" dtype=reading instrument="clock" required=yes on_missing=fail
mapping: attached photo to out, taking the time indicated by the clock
4:40
